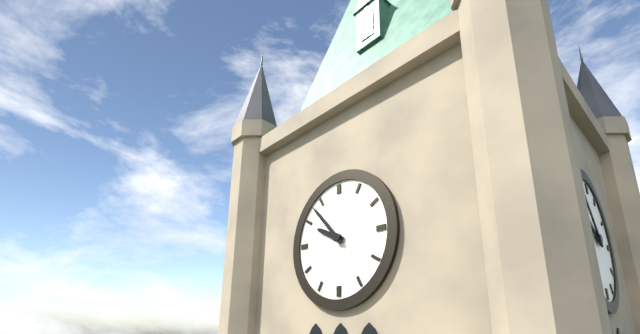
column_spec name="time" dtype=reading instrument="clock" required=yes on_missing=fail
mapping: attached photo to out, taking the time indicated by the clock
9:53
